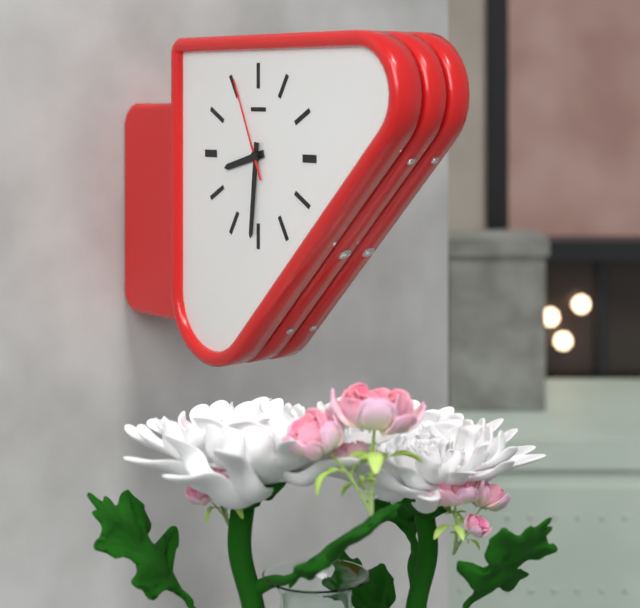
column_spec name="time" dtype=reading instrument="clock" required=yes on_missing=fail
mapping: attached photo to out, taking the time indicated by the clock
8:31:56
